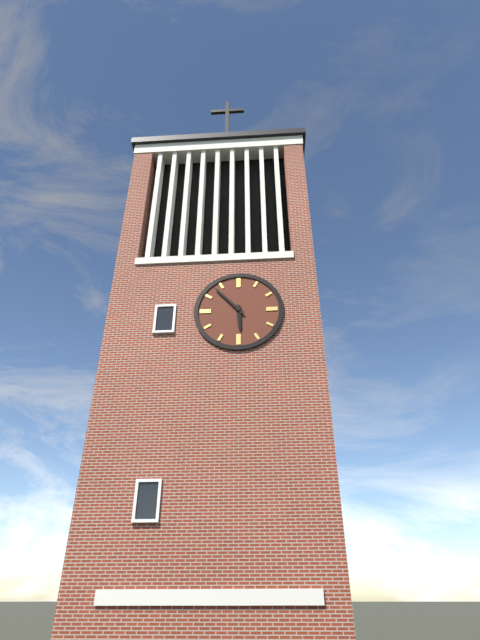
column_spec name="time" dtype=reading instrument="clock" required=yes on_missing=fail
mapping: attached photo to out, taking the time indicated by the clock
5:53
